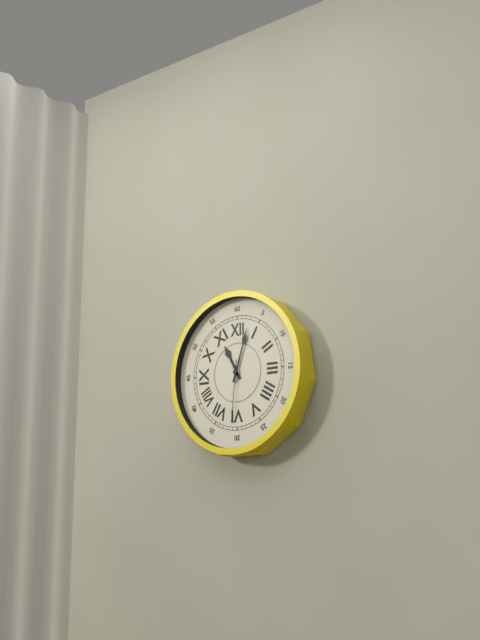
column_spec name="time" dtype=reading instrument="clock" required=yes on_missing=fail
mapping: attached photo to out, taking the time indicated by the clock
11:03:31
